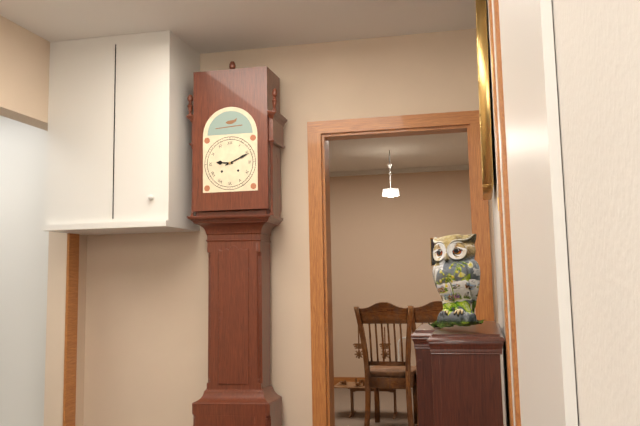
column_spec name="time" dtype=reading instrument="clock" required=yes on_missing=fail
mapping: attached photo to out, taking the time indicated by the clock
9:11
